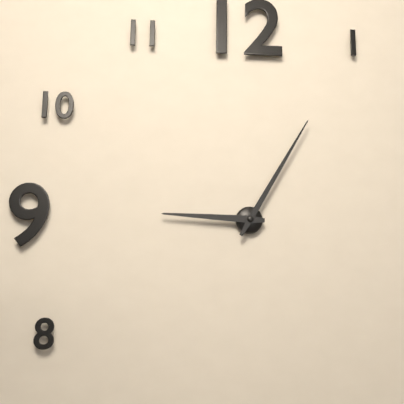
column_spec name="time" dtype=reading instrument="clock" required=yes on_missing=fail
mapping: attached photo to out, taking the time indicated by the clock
9:05
